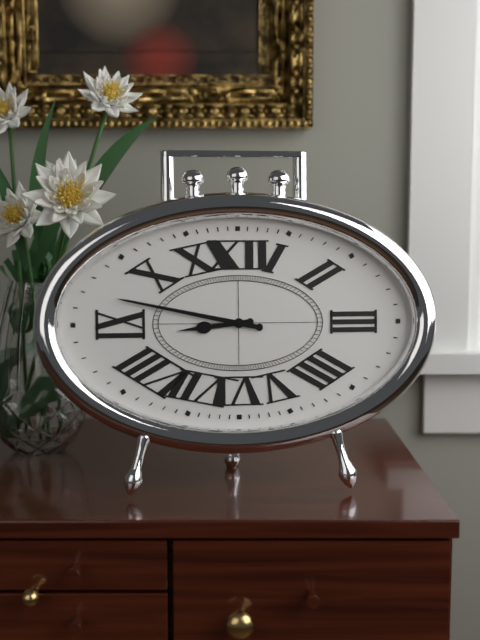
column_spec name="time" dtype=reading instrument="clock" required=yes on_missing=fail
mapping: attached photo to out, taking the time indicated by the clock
8:47
